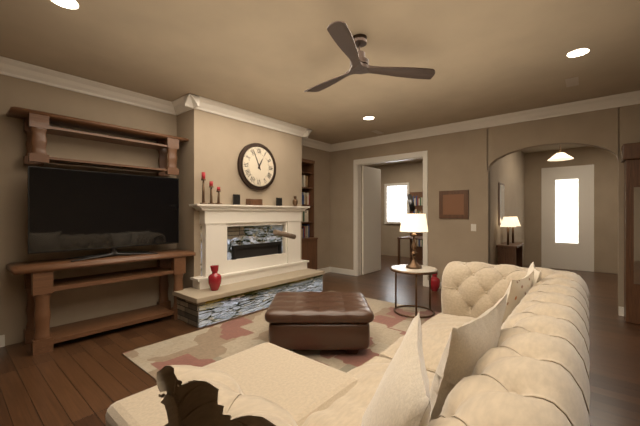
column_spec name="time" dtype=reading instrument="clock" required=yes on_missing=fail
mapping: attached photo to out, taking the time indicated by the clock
12:56
